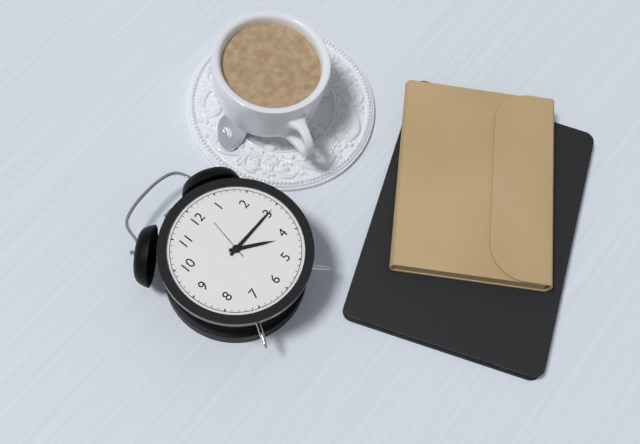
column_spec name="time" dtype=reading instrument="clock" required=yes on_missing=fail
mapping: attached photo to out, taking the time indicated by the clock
4:15
